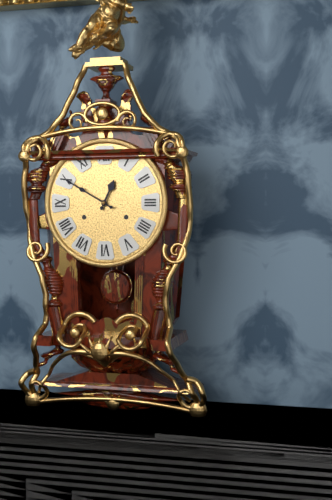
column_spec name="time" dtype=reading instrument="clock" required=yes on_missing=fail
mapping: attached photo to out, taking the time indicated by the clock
12:50
